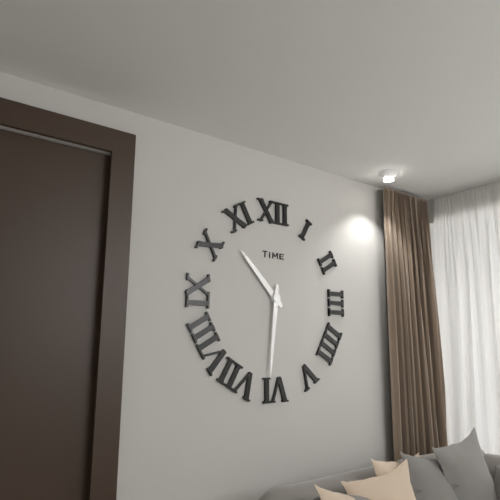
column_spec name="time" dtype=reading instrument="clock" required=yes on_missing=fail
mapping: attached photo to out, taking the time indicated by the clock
10:31
